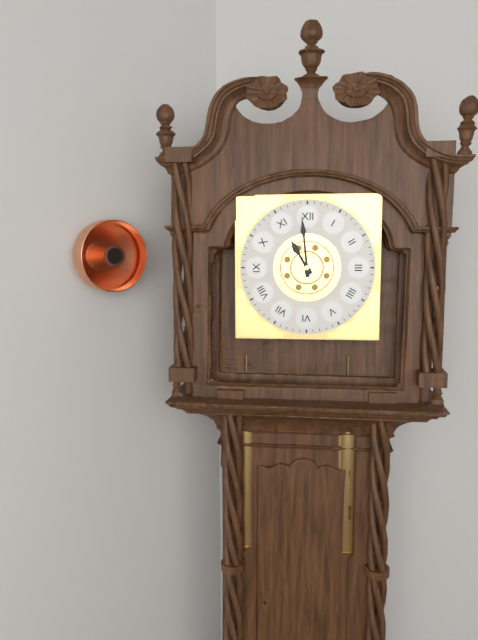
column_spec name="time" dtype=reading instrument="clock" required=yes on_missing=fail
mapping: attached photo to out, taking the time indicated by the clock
10:59
